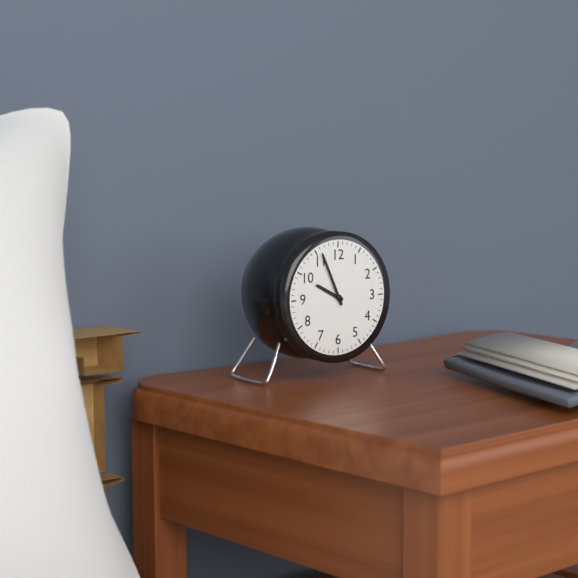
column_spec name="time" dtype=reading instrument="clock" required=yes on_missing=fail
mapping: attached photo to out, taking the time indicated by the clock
9:56
